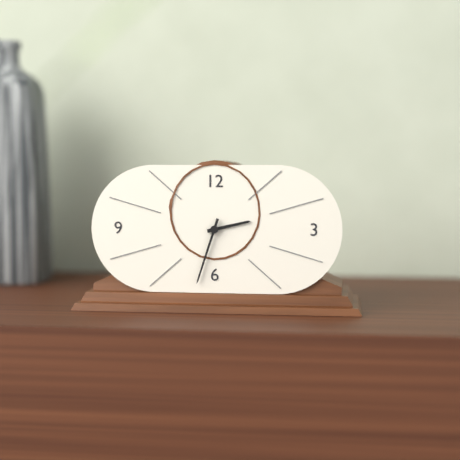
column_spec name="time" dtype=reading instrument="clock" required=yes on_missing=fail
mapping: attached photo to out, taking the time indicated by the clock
2:33
